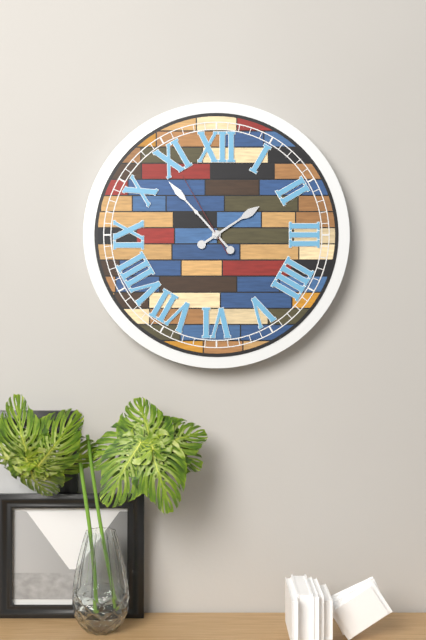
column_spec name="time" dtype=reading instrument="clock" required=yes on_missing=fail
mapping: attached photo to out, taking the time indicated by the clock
1:53:55
